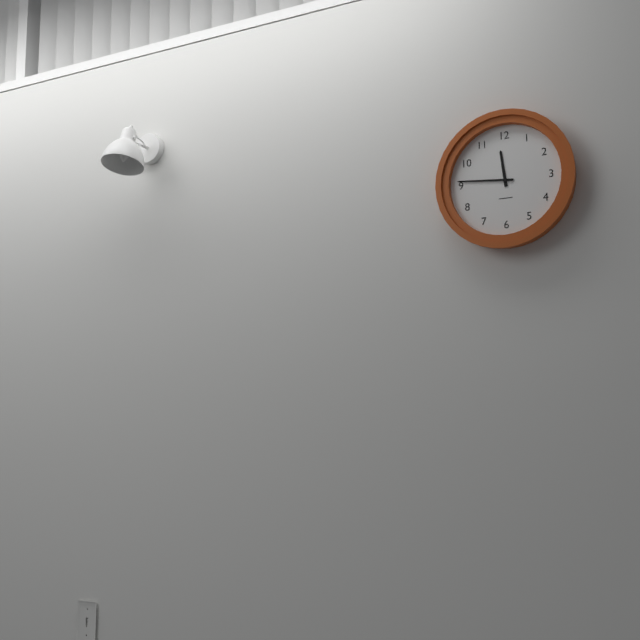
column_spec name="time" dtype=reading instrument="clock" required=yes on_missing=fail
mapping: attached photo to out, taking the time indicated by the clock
11:46
